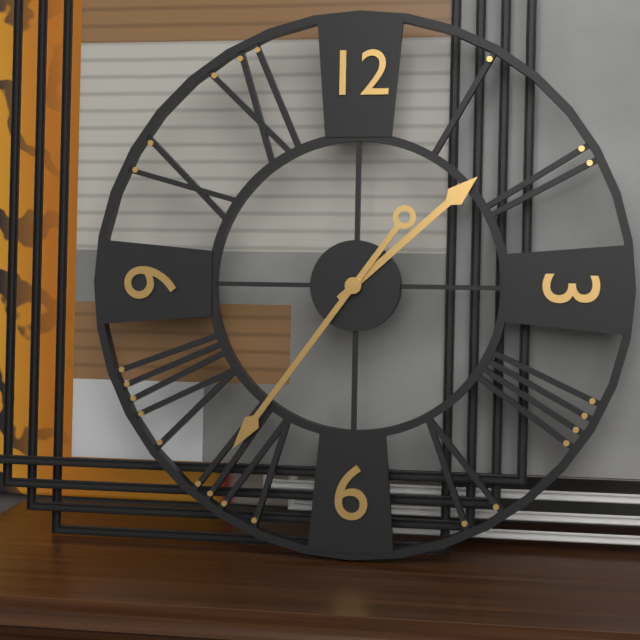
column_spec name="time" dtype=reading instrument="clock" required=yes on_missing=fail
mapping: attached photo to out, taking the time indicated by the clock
1:36
